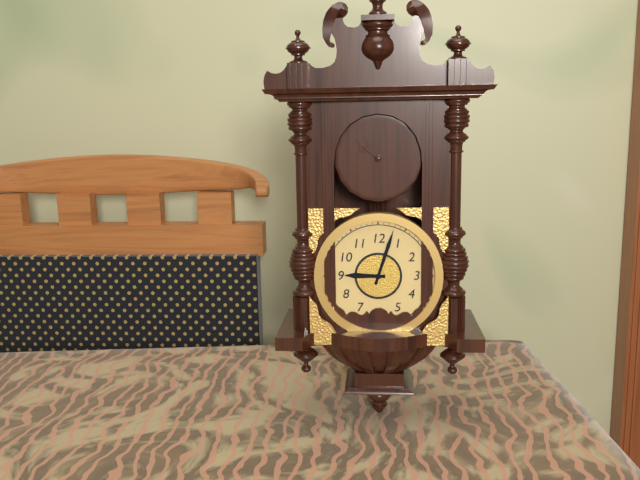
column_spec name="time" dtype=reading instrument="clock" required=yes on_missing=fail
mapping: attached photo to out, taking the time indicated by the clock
9:03
